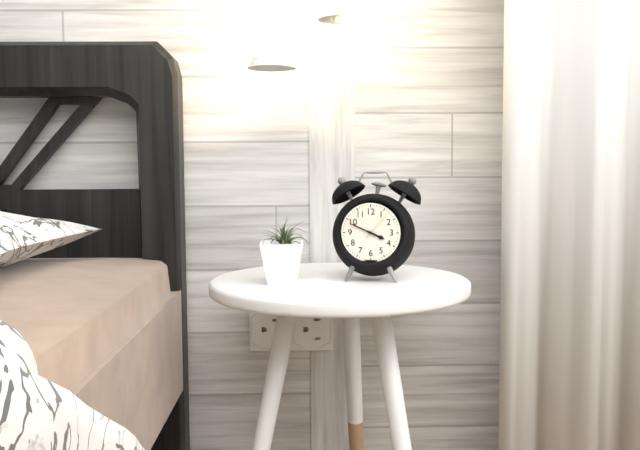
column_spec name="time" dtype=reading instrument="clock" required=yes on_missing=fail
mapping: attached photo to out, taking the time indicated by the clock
3:49
